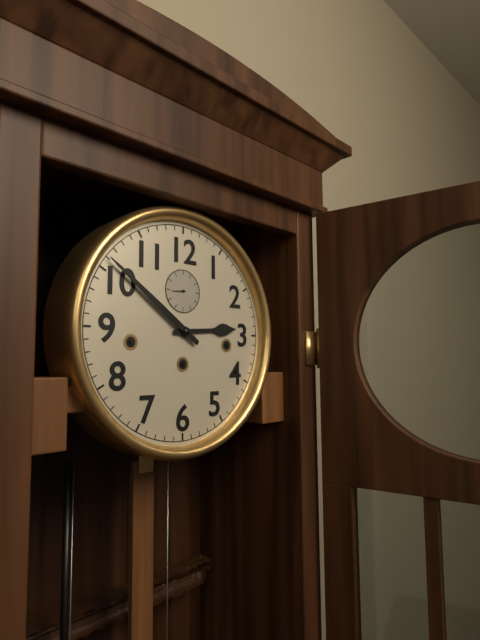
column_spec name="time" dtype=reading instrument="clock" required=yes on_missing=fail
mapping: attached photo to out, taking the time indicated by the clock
2:51
